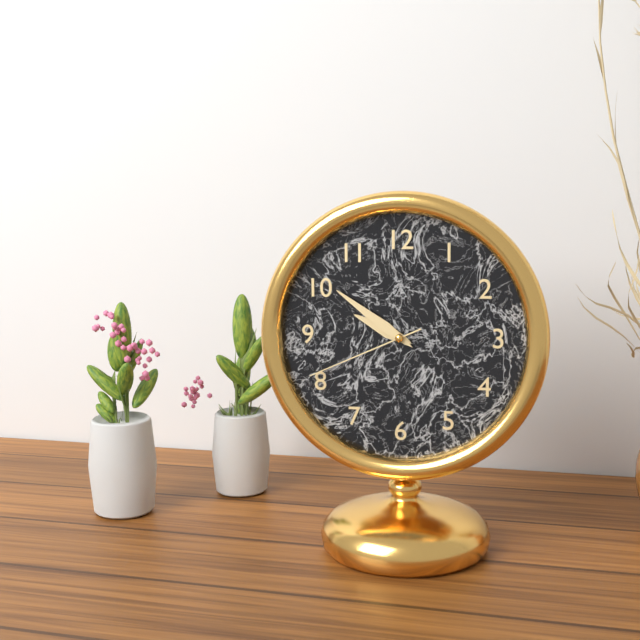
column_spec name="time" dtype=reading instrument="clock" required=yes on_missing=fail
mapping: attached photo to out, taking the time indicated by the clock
9:51:41
